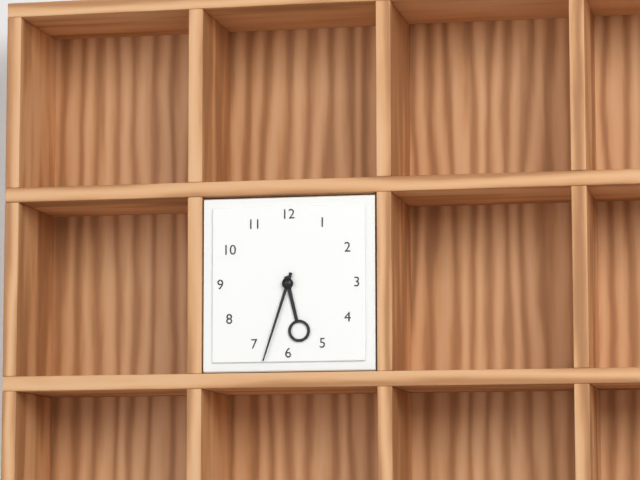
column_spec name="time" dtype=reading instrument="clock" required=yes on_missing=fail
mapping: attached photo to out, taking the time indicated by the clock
5:33
